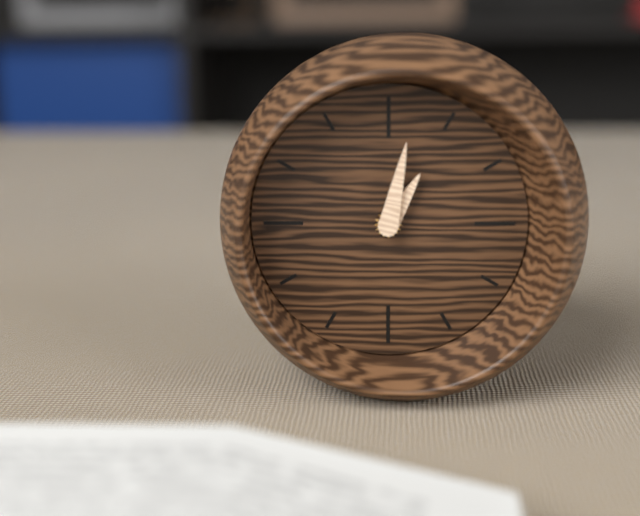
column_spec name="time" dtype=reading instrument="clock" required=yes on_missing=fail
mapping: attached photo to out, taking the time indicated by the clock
1:02
